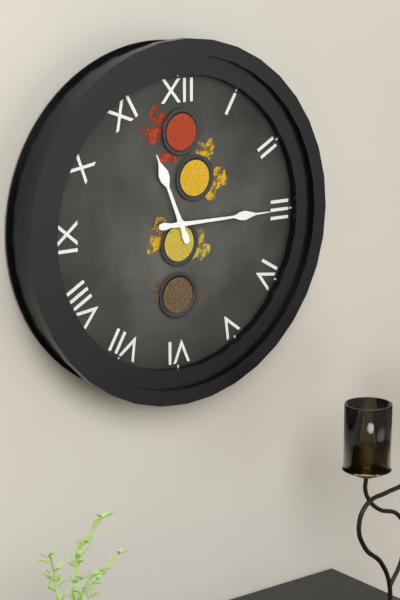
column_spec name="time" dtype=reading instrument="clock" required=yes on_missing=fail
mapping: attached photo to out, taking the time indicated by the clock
11:15
